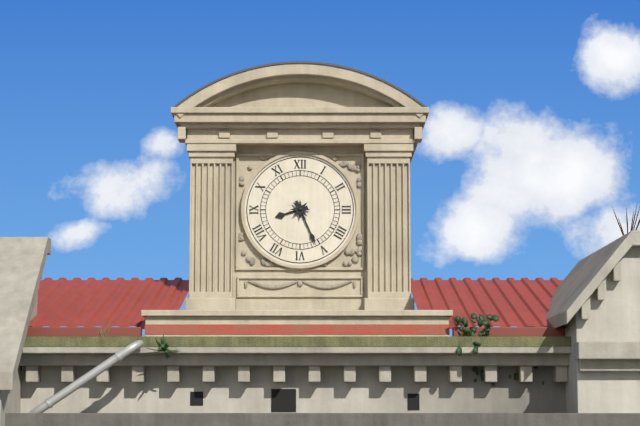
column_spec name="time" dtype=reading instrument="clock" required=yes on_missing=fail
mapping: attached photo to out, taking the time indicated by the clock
8:26
